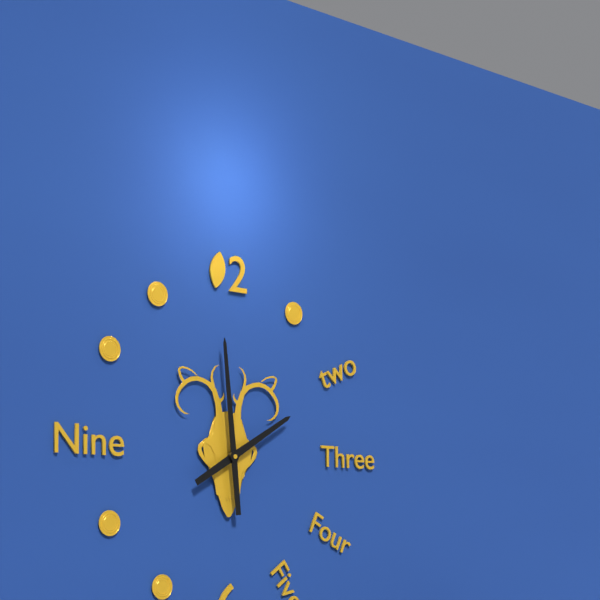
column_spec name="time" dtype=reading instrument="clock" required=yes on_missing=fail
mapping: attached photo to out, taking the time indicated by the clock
1:59
